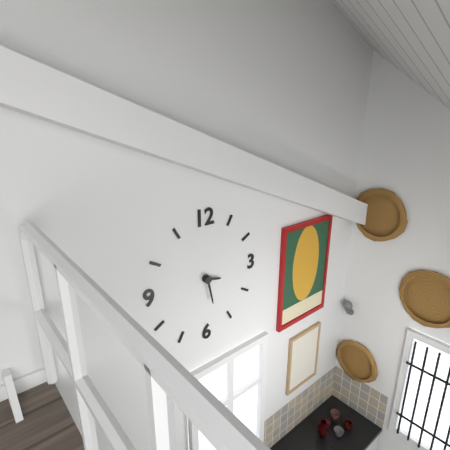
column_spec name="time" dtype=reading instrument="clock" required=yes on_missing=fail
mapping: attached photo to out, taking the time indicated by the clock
3:28
